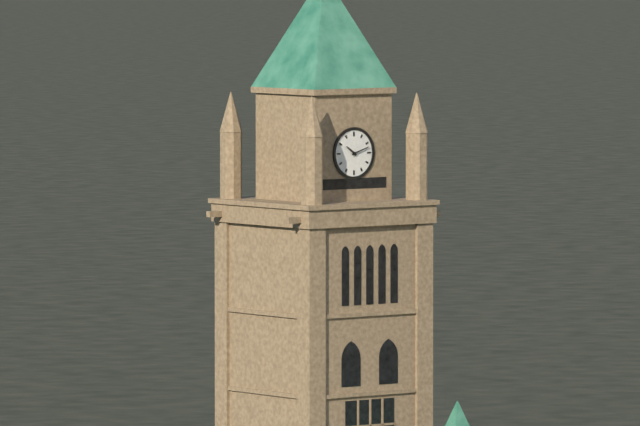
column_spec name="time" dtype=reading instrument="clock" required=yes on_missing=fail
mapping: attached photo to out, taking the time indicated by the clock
10:12
